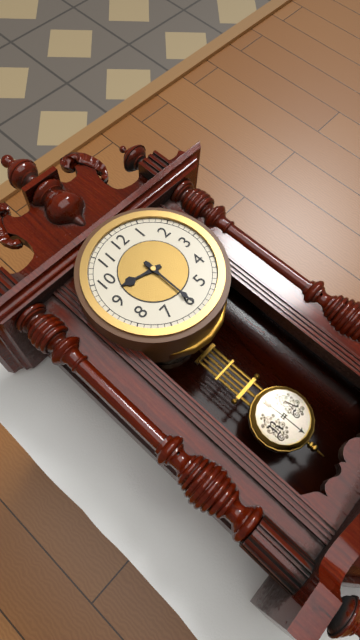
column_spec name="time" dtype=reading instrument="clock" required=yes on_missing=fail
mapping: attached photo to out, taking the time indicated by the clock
9:30
